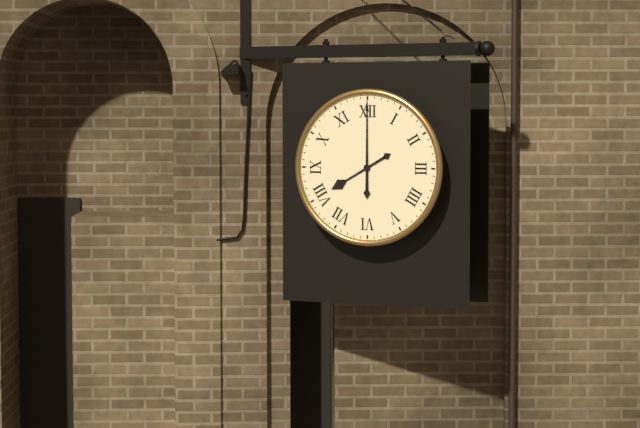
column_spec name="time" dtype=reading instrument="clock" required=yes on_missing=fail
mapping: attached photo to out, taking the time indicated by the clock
8:00
